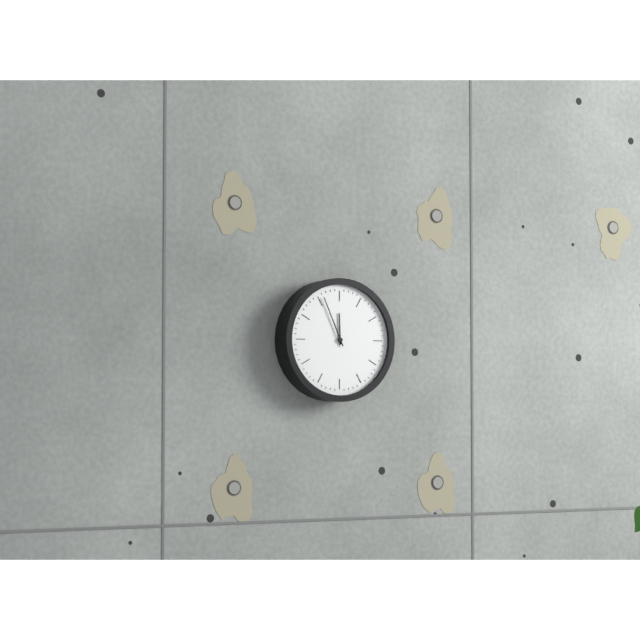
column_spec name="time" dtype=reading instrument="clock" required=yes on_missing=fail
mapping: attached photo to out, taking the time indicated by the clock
11:56
